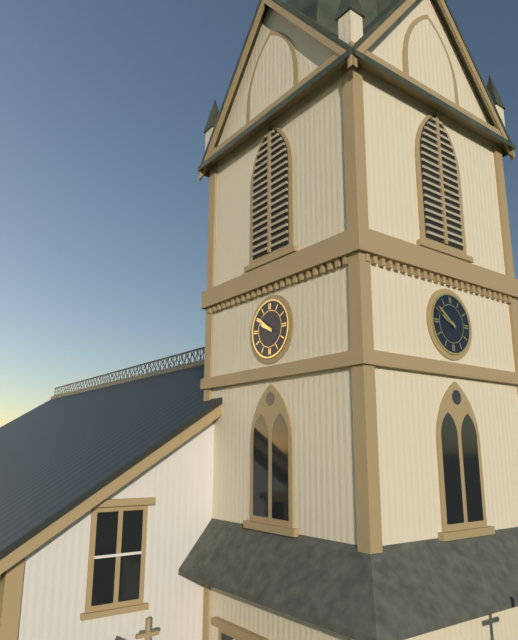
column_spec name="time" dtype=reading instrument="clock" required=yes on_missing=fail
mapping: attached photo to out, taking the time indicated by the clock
9:51
